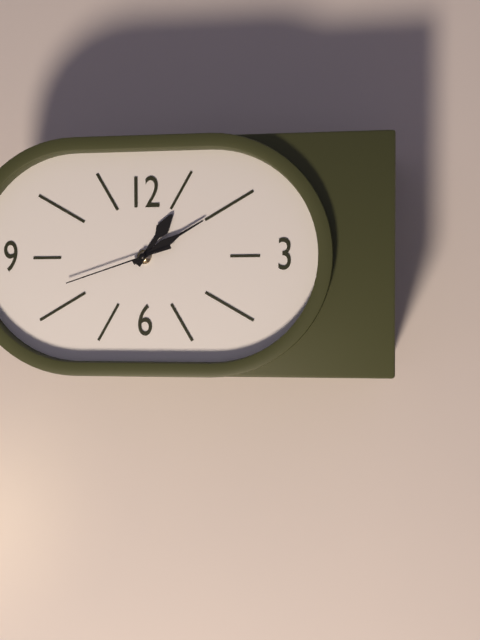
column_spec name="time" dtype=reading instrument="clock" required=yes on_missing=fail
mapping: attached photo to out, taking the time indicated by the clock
1:10:42
